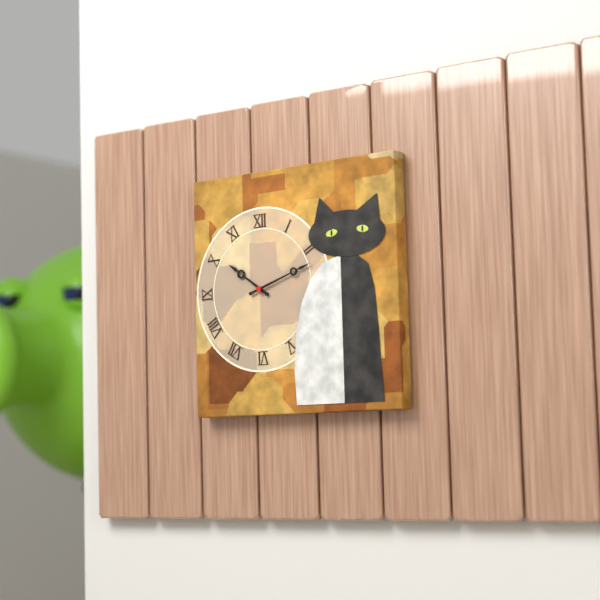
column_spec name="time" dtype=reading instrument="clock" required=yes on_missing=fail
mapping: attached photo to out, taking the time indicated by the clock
10:12
